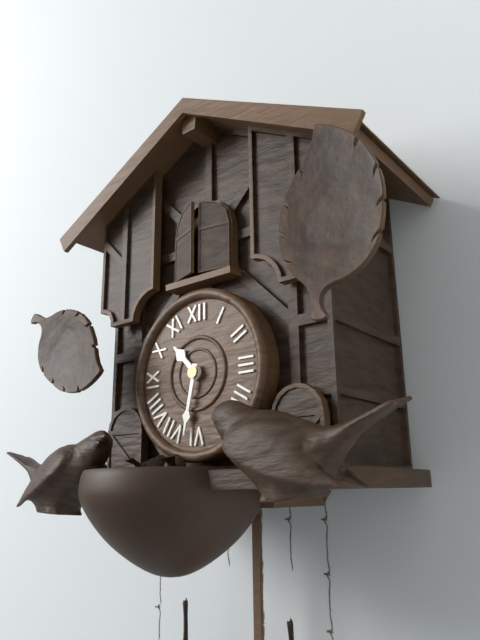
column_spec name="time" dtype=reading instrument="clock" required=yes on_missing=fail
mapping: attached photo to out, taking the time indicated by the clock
10:32
